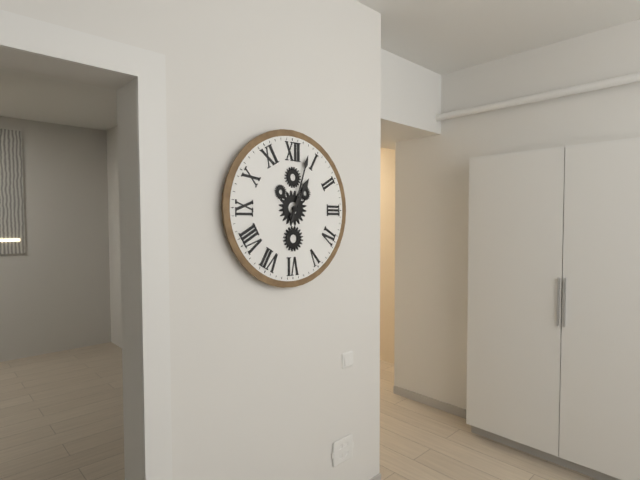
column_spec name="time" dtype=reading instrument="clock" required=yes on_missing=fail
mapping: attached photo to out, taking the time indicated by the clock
1:03
